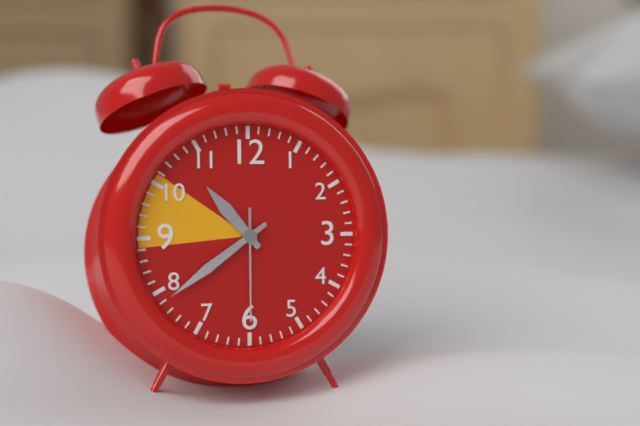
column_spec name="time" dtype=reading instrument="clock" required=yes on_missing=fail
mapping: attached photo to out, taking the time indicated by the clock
10:39:30
